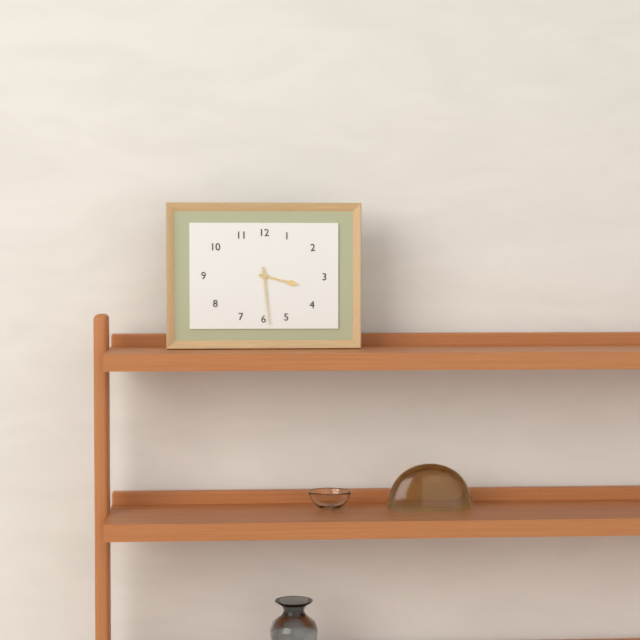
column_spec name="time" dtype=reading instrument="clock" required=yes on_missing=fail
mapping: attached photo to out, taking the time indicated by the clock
3:29
